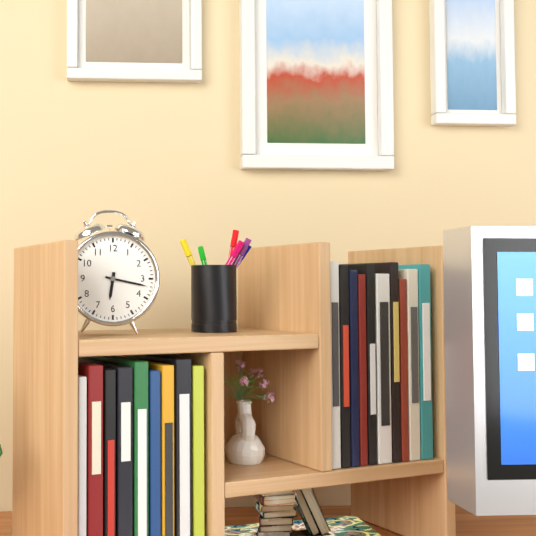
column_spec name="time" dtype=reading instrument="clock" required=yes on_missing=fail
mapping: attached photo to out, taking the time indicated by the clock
6:17
